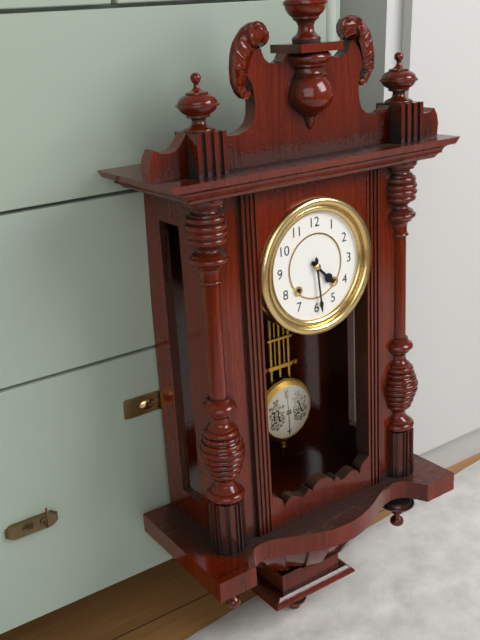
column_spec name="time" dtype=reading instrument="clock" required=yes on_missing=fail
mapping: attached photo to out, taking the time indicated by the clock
4:29
